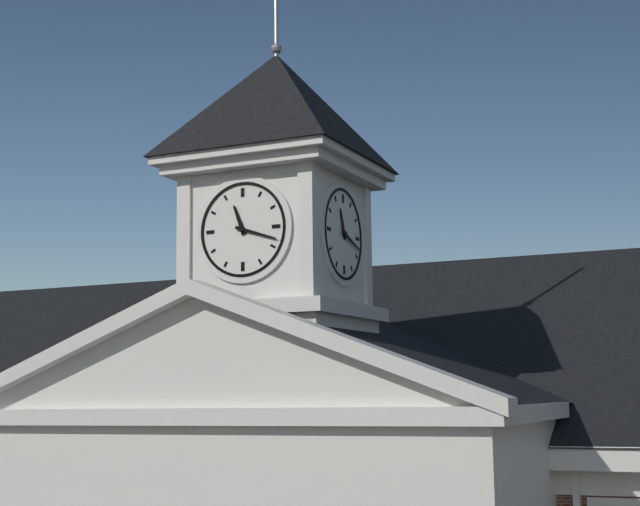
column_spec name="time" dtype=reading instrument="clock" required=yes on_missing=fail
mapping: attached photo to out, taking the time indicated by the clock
11:18
